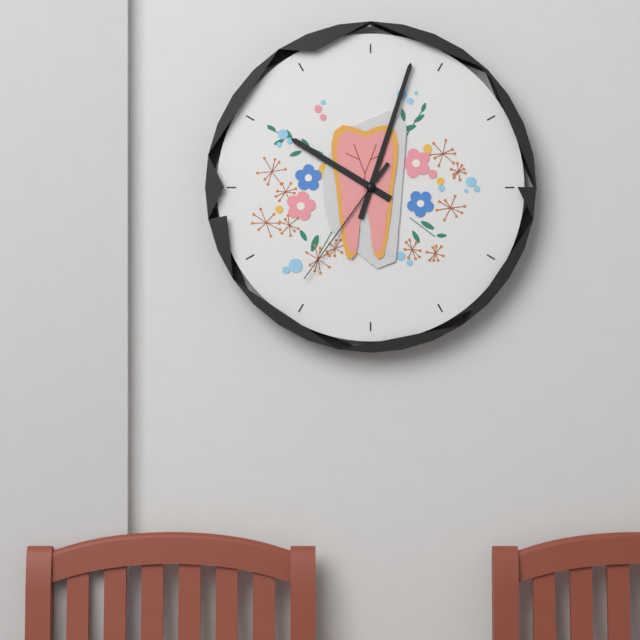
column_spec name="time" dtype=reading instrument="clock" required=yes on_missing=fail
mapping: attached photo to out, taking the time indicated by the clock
10:03:36
